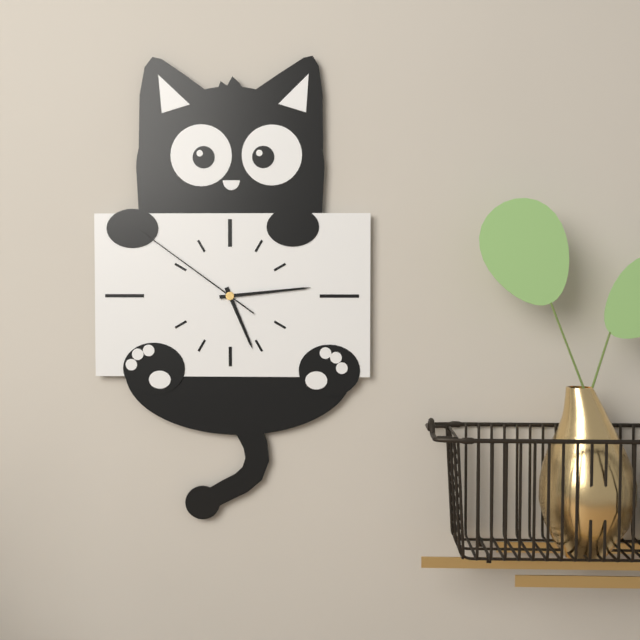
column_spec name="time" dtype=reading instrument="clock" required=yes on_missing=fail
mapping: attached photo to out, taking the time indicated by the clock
5:14:51
